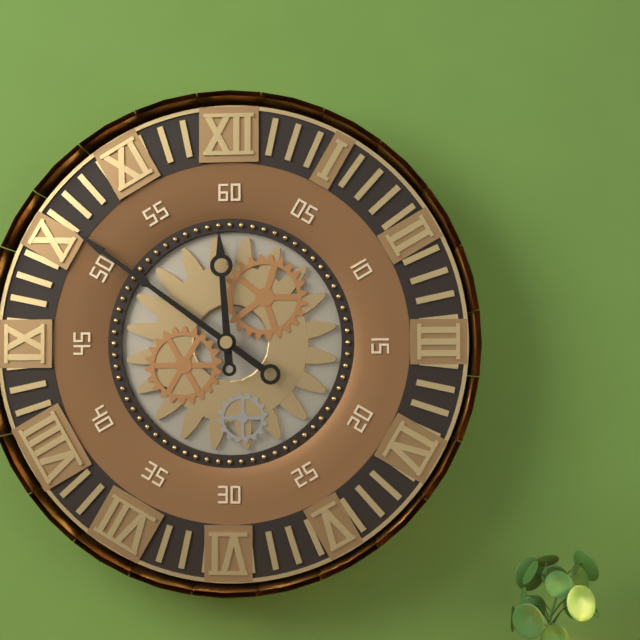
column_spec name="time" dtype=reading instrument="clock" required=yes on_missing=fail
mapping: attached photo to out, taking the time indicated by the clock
11:51
